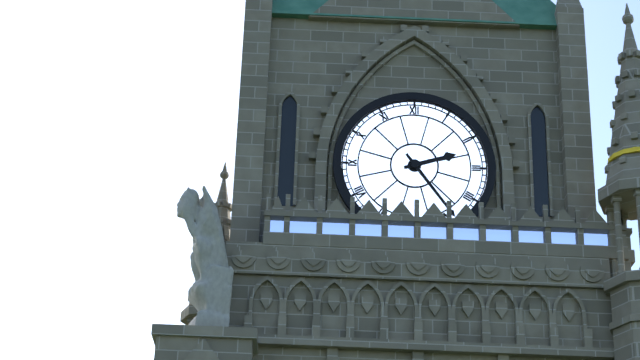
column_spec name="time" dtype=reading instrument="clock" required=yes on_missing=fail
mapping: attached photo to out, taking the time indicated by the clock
2:24
